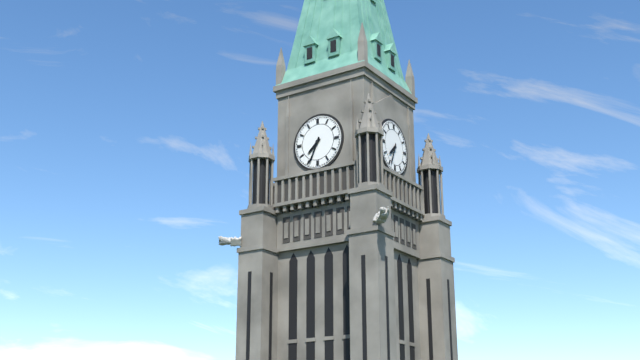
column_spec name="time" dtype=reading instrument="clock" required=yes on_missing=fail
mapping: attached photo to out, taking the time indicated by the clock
7:34
